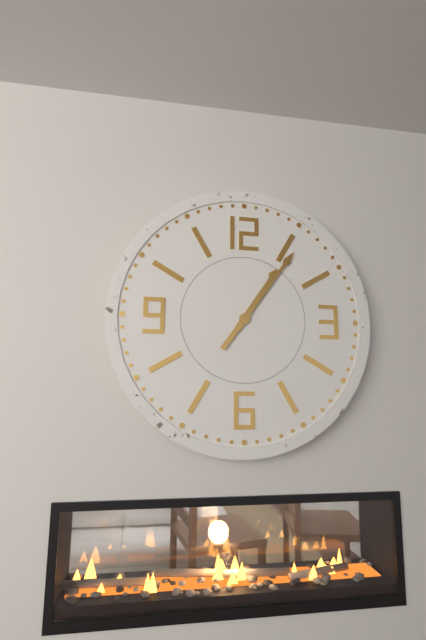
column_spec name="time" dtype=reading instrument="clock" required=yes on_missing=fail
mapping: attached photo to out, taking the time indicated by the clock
1:06
